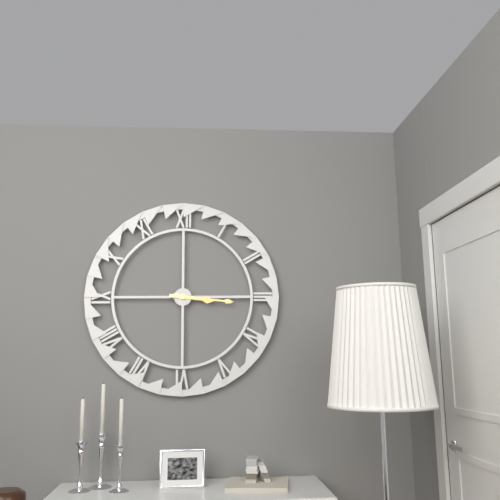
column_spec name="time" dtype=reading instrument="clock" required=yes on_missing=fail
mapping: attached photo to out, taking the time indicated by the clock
3:16
